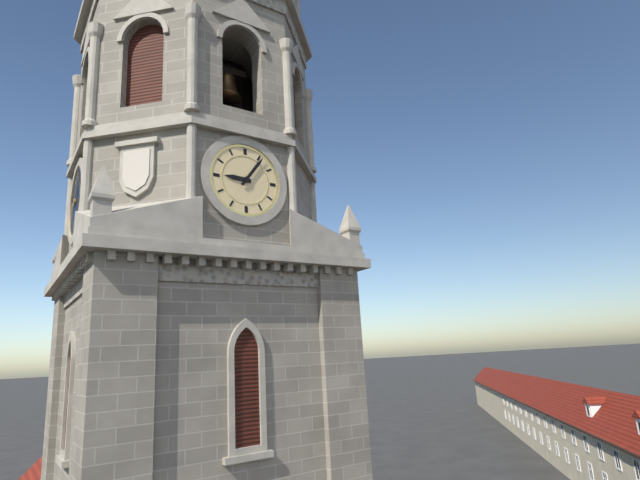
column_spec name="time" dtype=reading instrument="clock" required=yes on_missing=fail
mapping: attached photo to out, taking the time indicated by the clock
9:06
